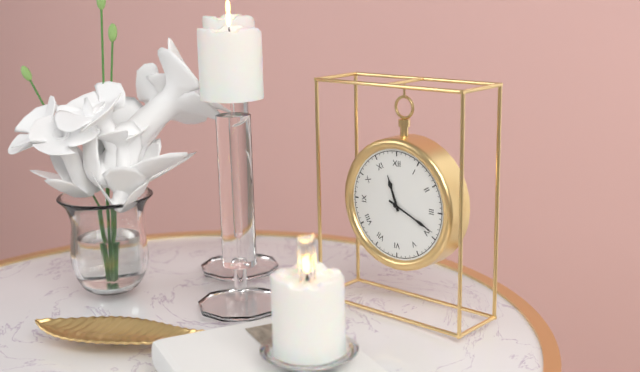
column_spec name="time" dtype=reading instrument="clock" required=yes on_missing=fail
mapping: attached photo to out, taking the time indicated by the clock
11:19
